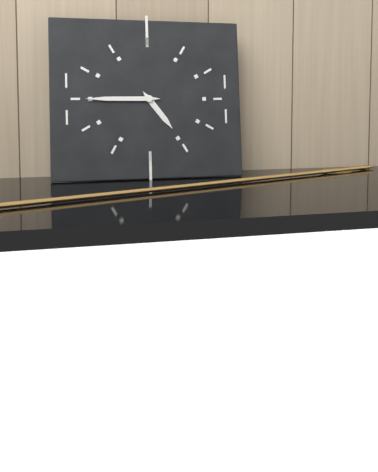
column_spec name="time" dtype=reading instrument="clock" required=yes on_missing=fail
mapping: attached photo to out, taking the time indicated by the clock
4:45
